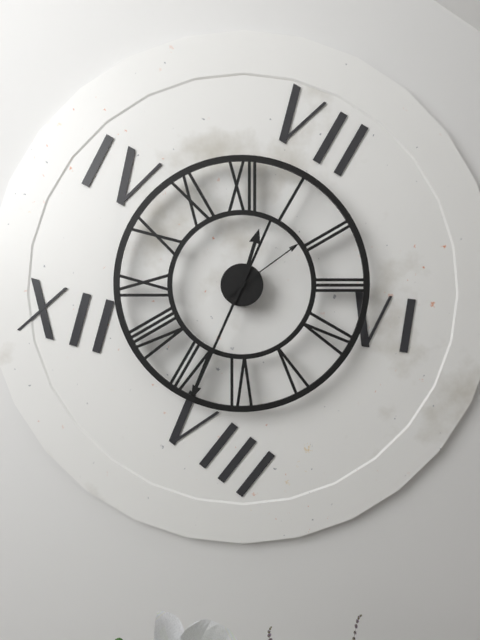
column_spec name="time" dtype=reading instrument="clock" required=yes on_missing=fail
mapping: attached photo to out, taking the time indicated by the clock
12:34:09
